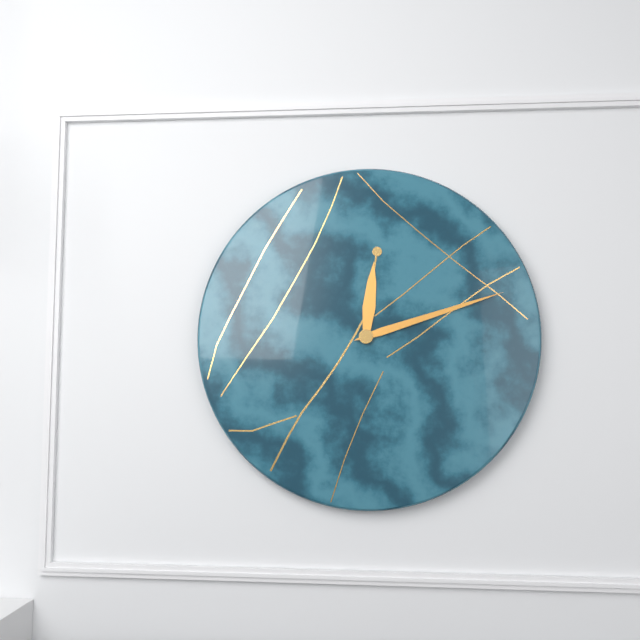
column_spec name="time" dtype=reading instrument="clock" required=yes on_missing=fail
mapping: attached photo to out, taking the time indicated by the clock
12:12
